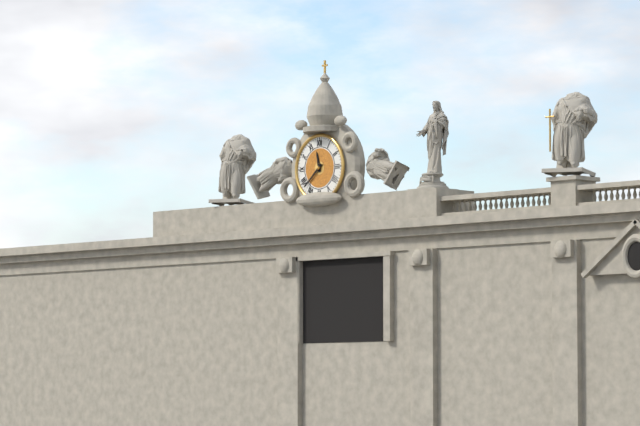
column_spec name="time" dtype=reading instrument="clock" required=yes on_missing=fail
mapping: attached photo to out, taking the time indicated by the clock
11:38
